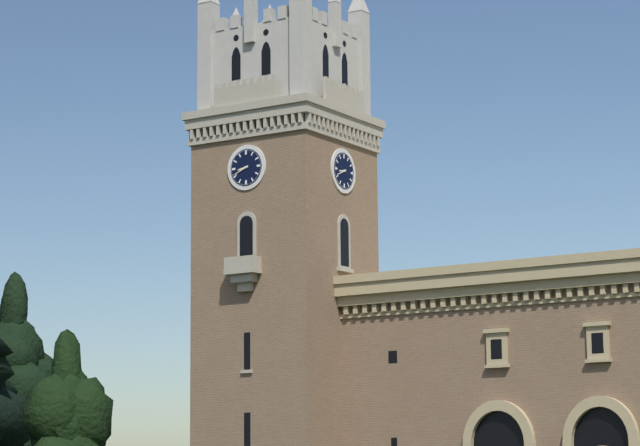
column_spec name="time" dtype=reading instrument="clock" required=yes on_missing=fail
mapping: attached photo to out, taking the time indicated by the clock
8:41
